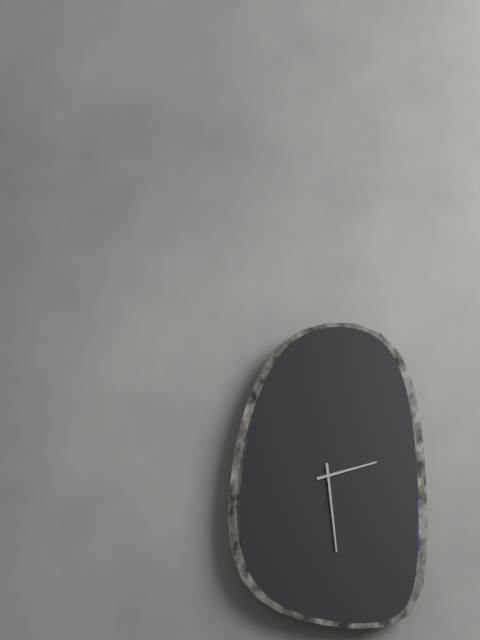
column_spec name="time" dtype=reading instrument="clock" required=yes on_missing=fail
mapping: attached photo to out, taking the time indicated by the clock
2:29
